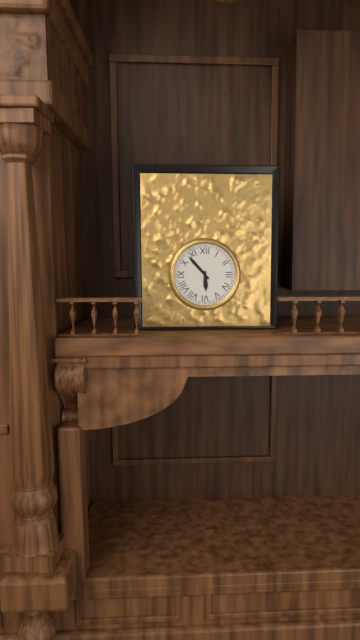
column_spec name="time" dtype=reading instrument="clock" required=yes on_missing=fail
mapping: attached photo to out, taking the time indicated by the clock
5:53
